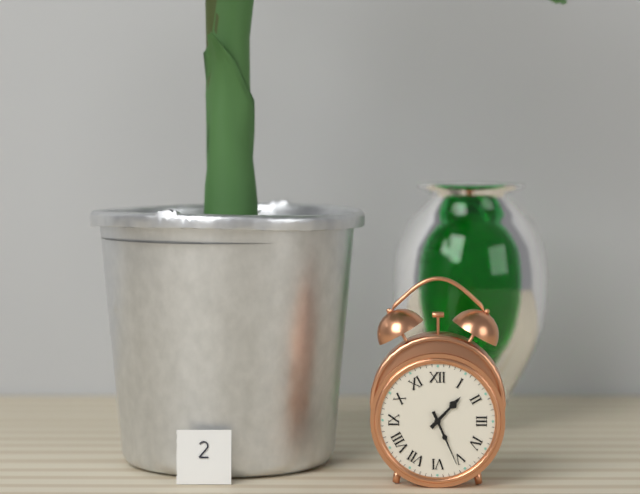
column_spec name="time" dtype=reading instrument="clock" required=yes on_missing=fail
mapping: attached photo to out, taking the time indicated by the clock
1:26
